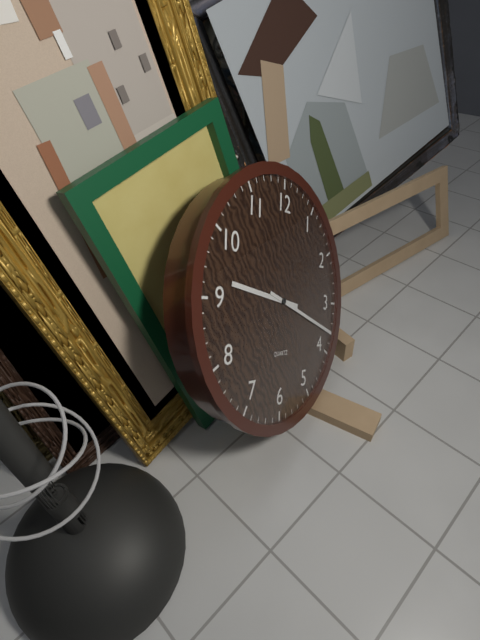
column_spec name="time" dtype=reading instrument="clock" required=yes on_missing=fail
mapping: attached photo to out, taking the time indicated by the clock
9:18
